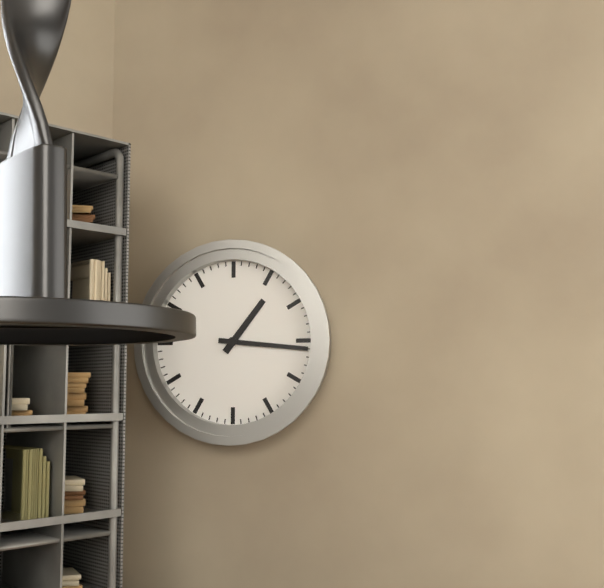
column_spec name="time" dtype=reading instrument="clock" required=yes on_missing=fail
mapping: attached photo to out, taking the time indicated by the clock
1:16
